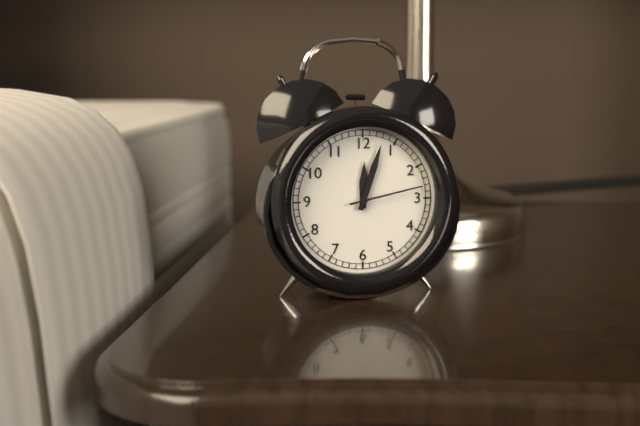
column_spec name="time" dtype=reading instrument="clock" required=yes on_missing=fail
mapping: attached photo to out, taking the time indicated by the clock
12:03:13
